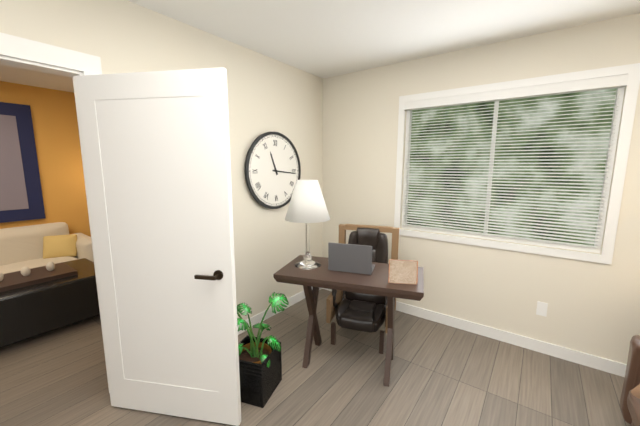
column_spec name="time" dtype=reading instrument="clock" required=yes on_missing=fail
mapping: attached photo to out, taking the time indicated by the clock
11:16
